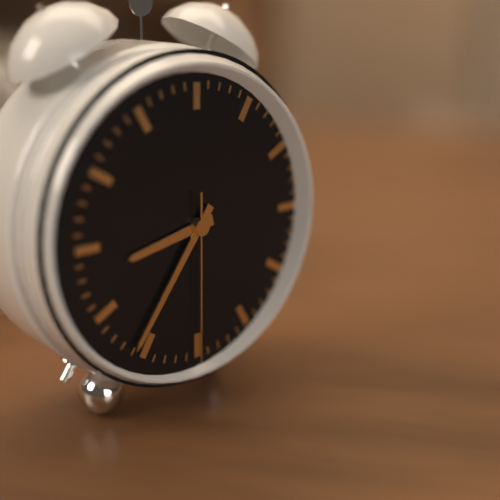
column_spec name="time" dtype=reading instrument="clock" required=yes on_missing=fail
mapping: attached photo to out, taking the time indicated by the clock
8:36:30
